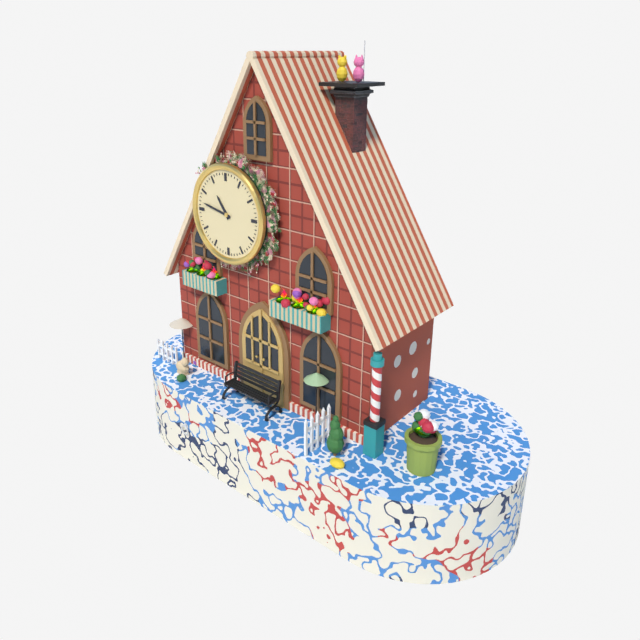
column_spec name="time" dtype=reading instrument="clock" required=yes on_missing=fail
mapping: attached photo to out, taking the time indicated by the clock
10:47
